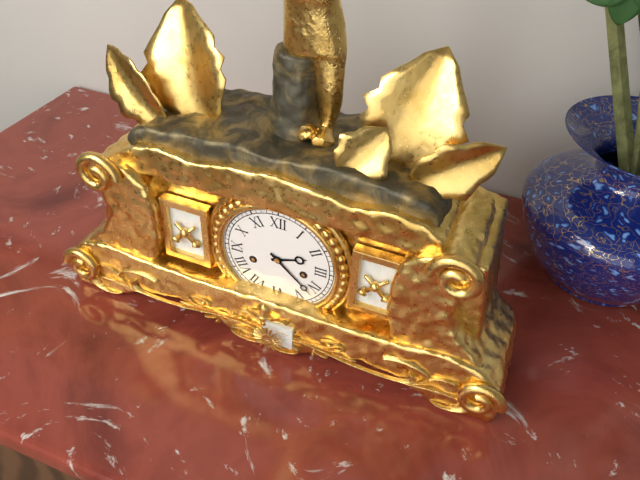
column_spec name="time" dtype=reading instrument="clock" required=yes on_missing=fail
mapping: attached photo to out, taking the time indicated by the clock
2:22
